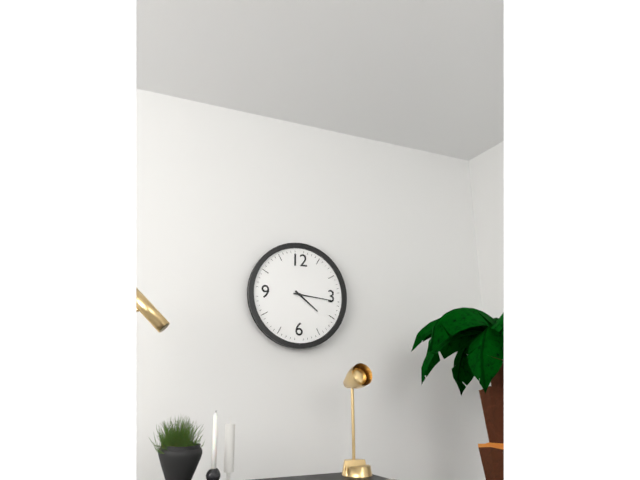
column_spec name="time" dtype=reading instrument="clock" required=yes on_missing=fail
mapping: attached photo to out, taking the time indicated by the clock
4:16
